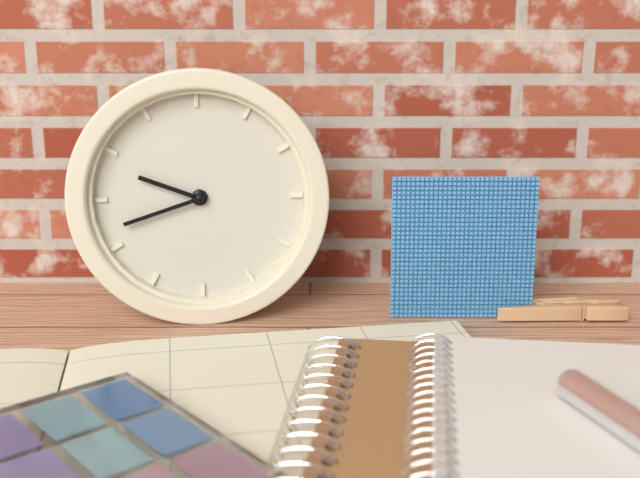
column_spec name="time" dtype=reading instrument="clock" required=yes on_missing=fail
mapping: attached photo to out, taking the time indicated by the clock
9:42
